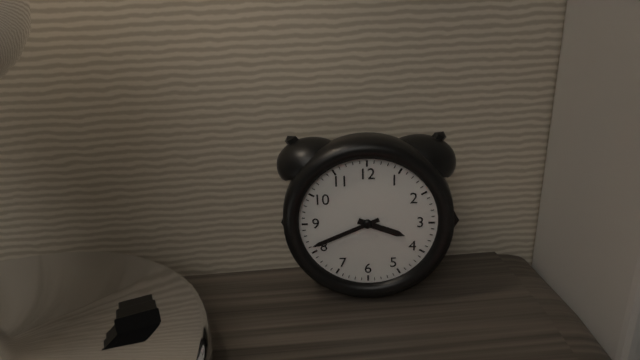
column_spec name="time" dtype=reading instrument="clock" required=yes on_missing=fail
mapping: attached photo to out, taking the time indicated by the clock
3:41
